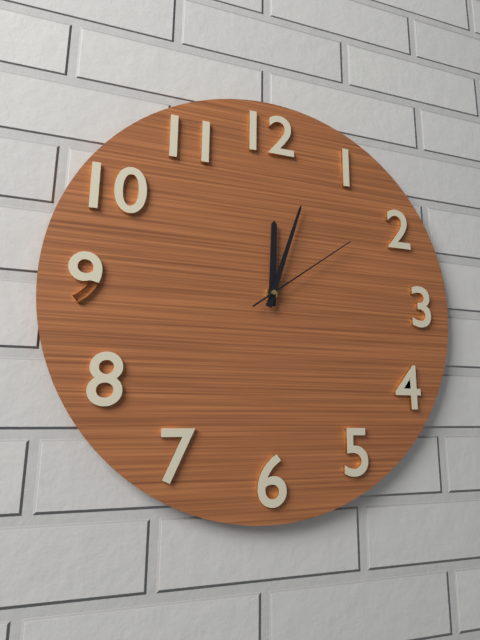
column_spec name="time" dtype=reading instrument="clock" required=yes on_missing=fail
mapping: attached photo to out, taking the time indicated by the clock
12:03:09
